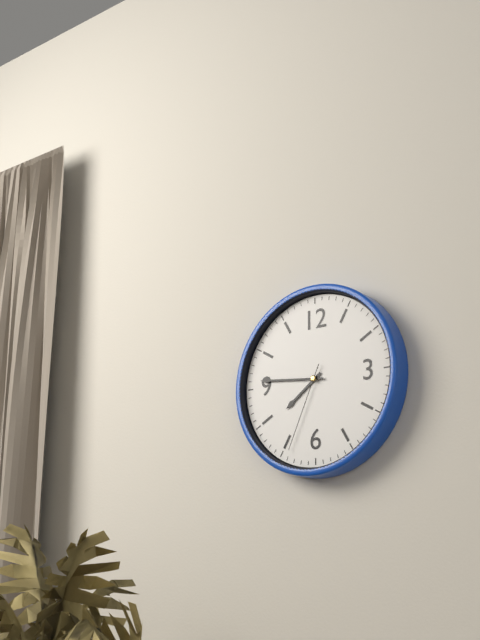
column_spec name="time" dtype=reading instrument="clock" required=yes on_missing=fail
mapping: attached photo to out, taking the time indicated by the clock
7:46:34
